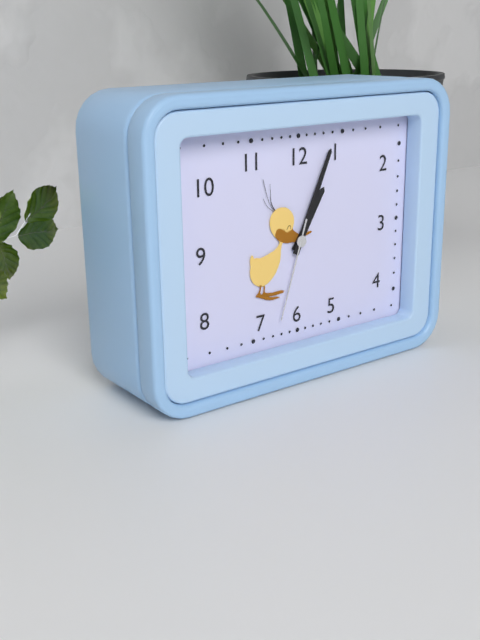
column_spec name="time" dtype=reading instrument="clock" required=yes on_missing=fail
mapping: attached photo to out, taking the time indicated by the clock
1:04:33
